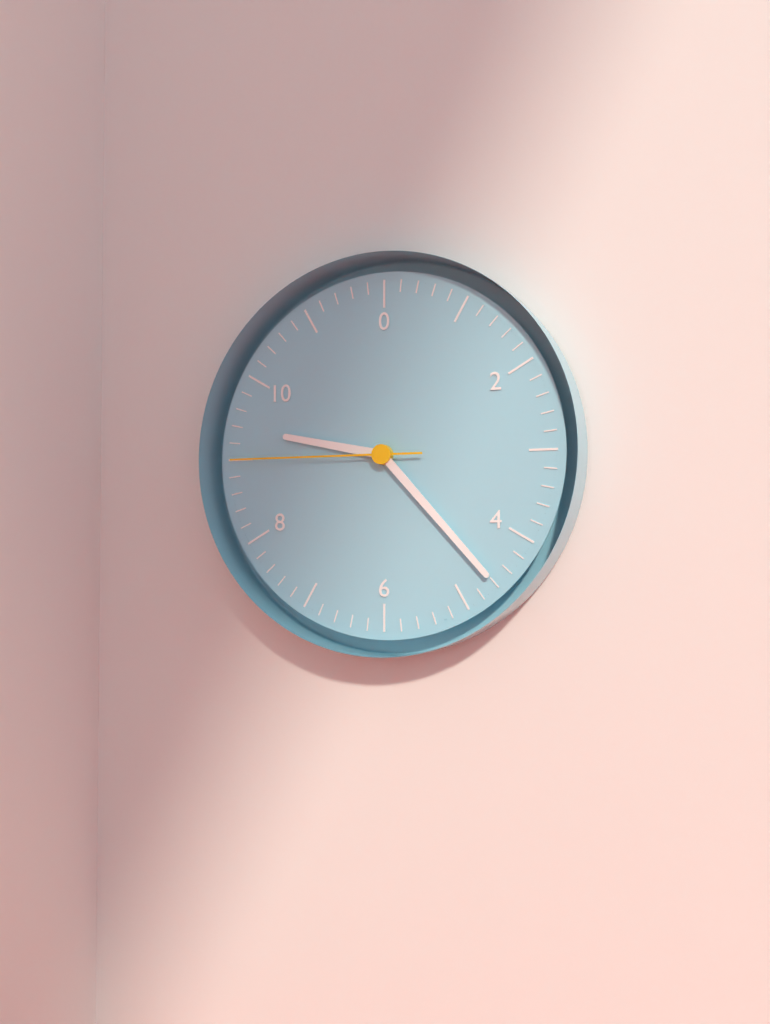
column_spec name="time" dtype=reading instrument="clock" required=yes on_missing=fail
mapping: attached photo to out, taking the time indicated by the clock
9:23:45
